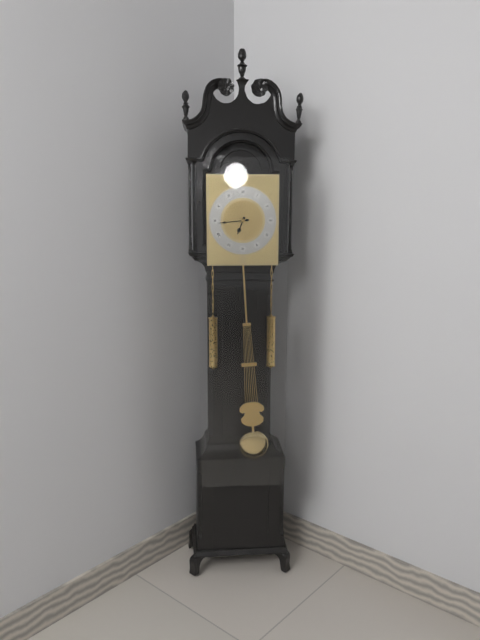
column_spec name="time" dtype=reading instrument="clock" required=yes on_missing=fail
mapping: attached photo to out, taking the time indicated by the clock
6:44
